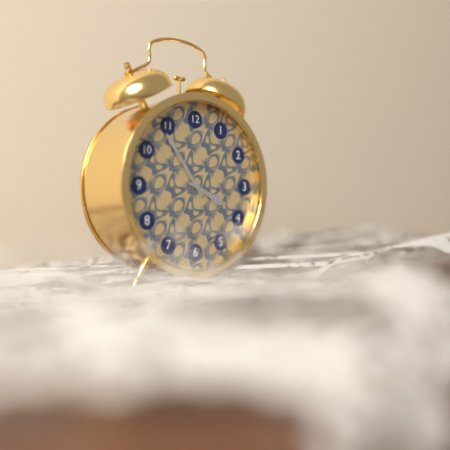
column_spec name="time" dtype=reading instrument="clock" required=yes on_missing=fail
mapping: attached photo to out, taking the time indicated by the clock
3:54
